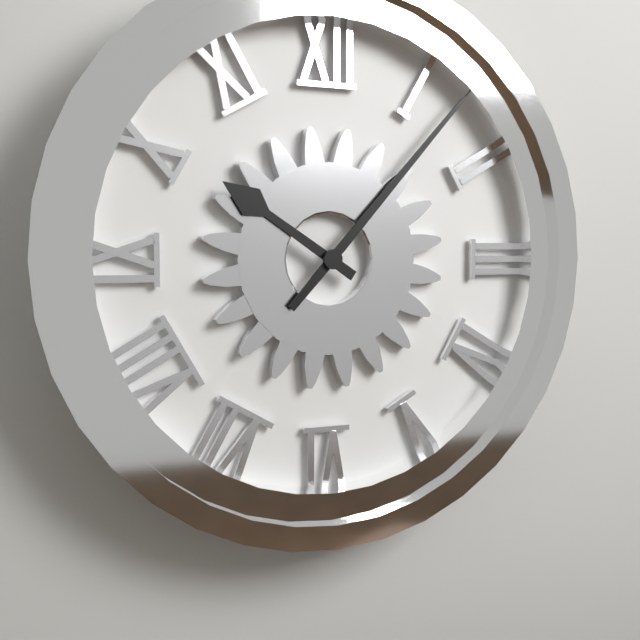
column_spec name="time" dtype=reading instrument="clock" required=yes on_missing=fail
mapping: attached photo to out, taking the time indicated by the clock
10:07
